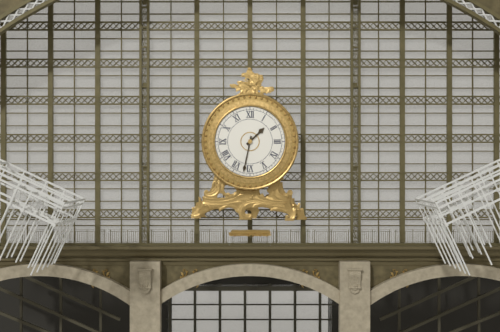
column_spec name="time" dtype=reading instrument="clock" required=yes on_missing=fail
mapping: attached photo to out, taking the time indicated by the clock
1:32
